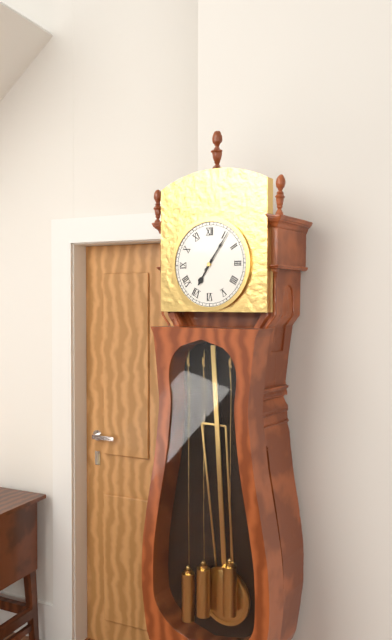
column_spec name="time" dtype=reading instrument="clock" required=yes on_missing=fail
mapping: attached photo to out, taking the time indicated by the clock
7:06
